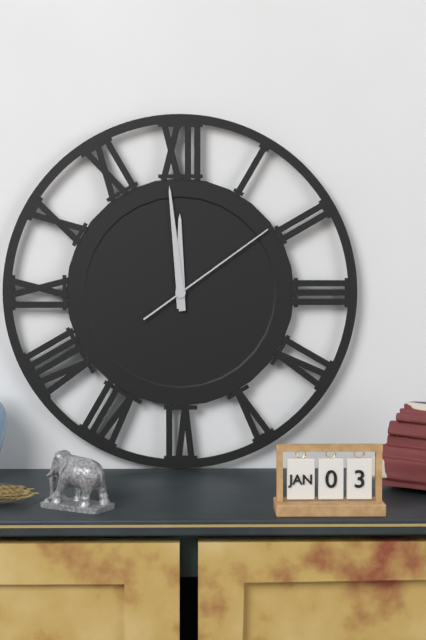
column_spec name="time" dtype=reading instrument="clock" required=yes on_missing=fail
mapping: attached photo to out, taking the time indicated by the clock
11:59:09
